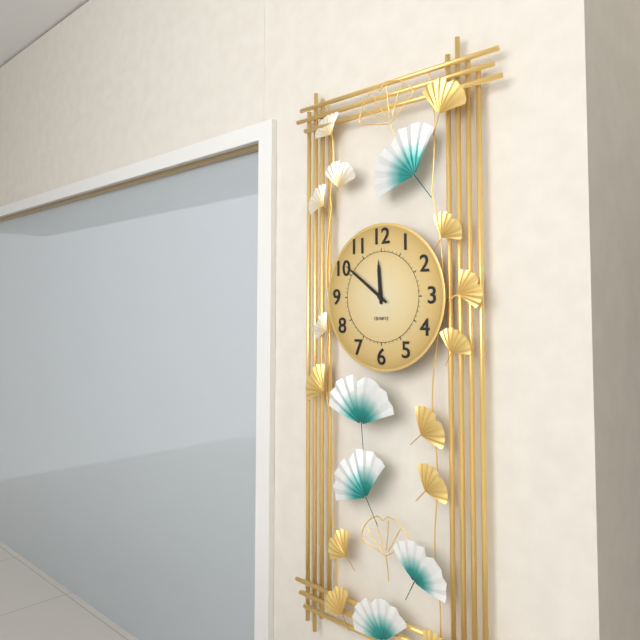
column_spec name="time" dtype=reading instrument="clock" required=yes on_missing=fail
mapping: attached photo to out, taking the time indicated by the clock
11:51
